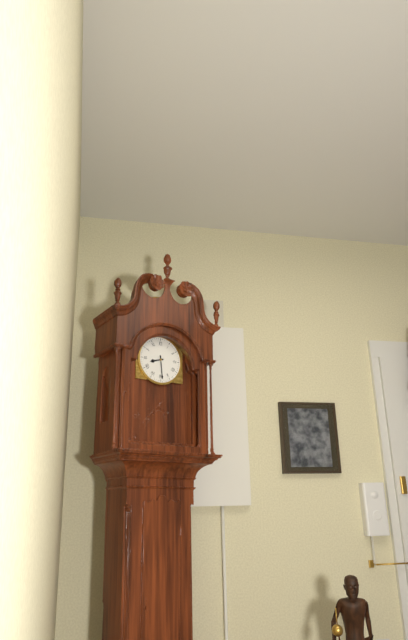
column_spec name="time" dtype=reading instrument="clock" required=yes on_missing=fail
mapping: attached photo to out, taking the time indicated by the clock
8:29
